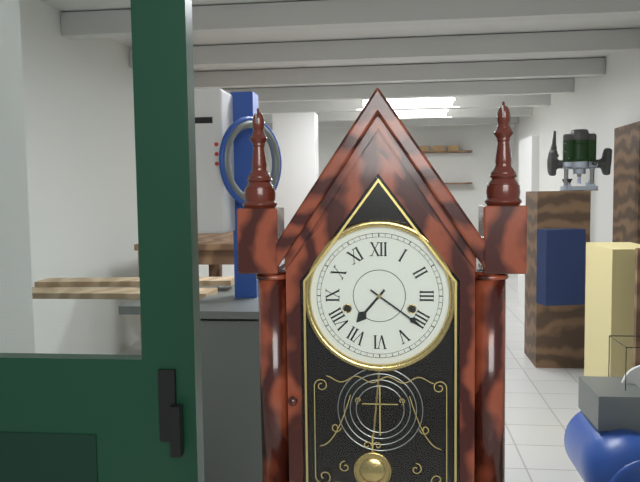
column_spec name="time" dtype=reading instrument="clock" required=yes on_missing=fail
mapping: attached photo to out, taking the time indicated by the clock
7:21
